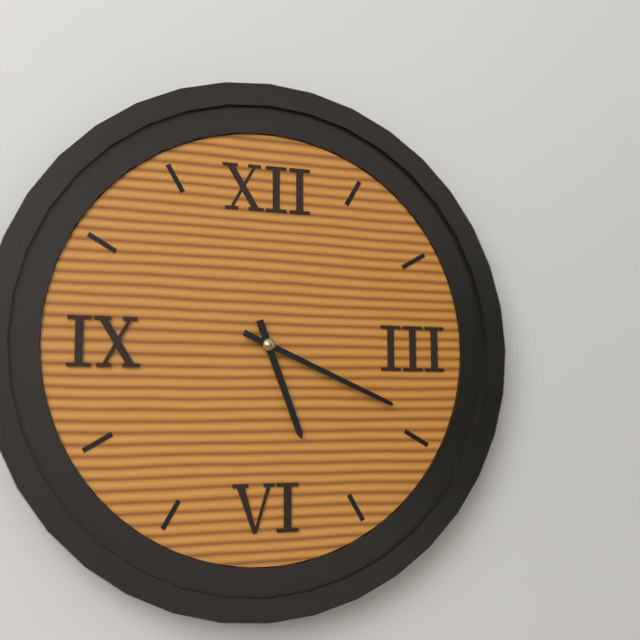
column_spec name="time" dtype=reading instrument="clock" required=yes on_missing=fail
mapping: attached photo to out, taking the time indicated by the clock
5:19
